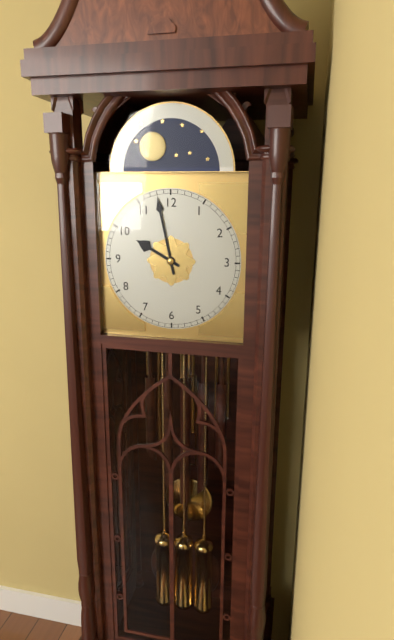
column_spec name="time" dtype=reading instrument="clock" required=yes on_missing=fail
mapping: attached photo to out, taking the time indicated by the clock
9:58
